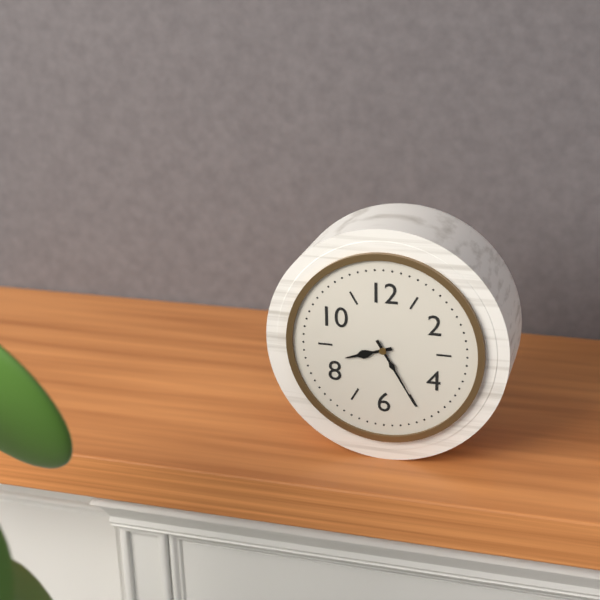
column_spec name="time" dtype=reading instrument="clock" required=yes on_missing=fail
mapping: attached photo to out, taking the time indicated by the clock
8:25
